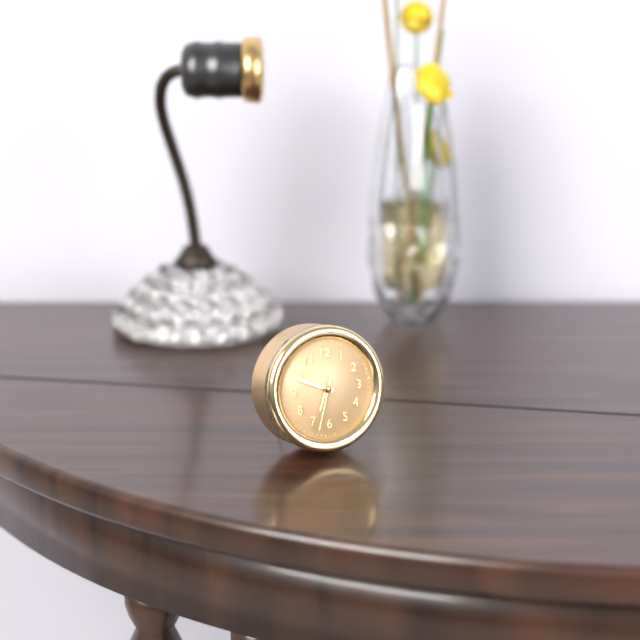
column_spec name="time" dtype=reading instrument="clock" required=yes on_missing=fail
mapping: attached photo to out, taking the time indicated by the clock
6:49:33
